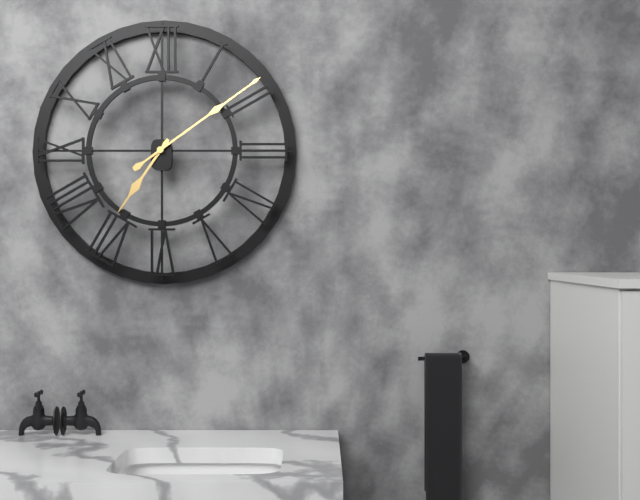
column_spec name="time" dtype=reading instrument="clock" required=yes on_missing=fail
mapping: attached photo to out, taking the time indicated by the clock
7:09
